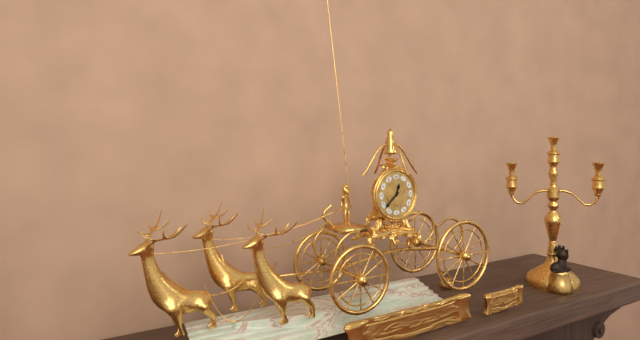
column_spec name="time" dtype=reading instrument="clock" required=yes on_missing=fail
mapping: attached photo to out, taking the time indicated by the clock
12:38
